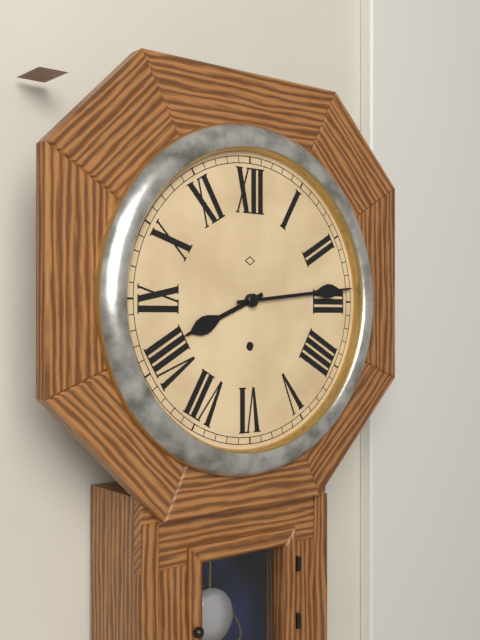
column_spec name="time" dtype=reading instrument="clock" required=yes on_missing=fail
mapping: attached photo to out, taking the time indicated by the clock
8:14
